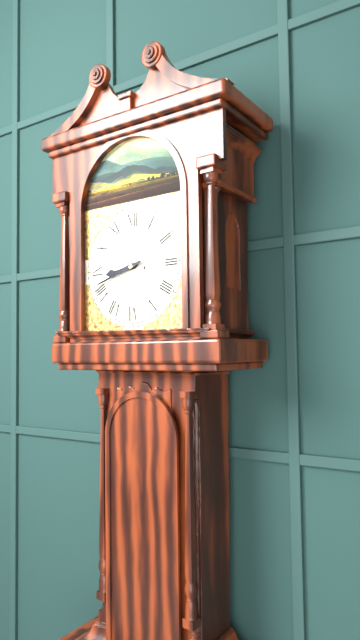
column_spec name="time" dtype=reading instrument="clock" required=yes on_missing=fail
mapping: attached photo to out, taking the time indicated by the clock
8:42
